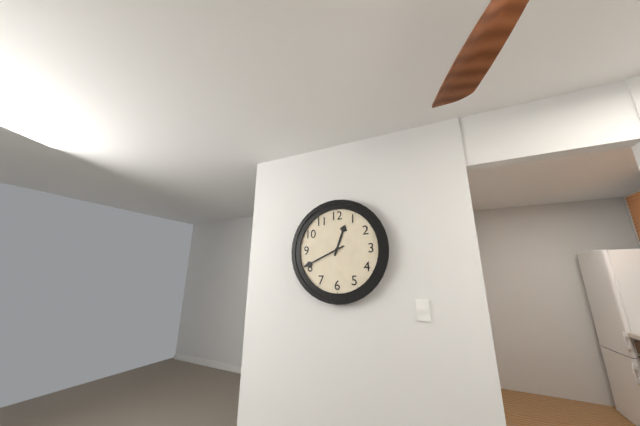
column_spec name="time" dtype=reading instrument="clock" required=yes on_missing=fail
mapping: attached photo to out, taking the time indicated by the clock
12:41
